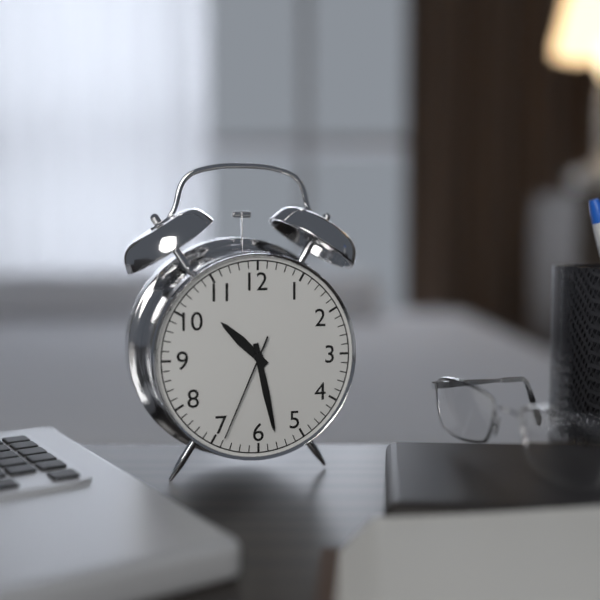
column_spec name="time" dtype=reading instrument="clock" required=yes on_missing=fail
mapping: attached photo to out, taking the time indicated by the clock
10:28:34
